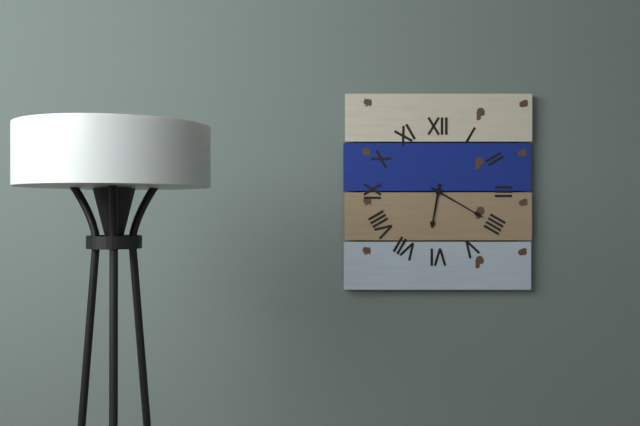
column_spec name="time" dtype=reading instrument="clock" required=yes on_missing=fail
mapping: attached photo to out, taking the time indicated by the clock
6:20
